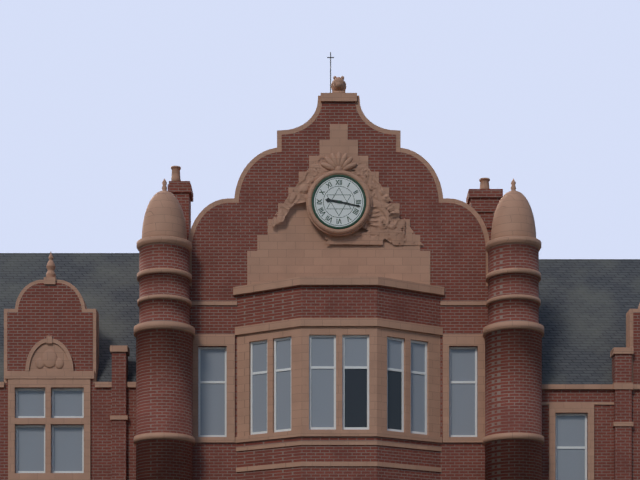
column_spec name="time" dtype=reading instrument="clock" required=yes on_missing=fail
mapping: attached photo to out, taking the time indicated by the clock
9:17
